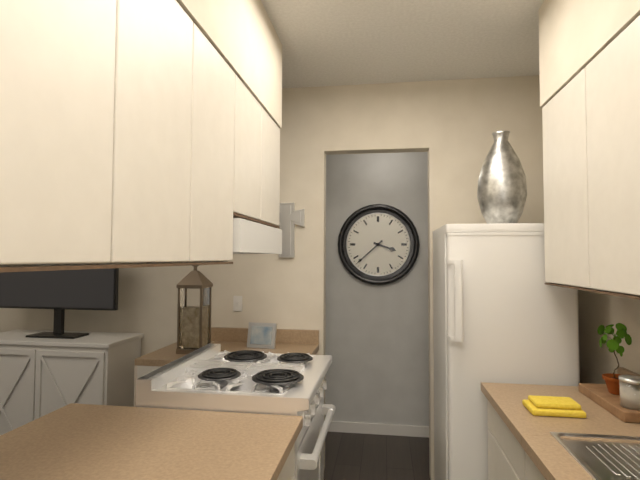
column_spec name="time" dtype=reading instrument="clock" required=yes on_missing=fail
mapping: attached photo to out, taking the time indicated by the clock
3:38
